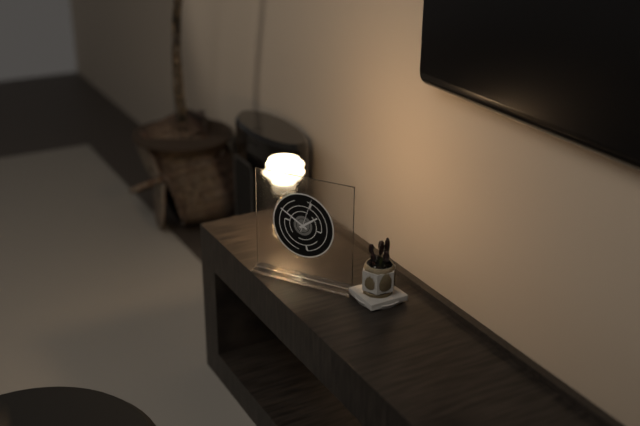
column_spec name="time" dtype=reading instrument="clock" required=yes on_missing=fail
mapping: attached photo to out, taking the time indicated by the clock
1:50
